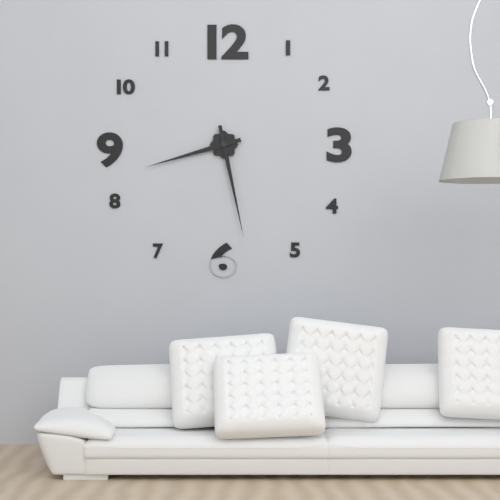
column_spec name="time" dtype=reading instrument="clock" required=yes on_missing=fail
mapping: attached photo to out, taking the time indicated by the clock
8:28
